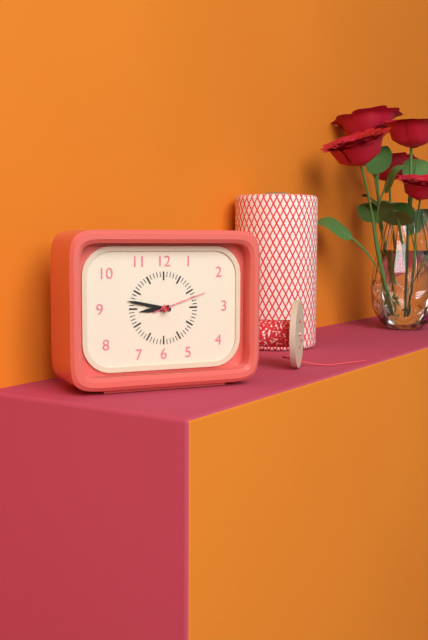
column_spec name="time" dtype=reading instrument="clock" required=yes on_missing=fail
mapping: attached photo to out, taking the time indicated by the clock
8:47:12
